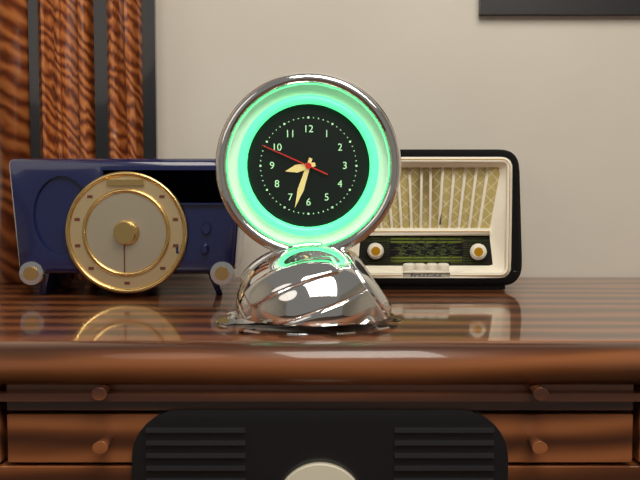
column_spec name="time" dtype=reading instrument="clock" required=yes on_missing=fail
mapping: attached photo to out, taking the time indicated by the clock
8:33:49
